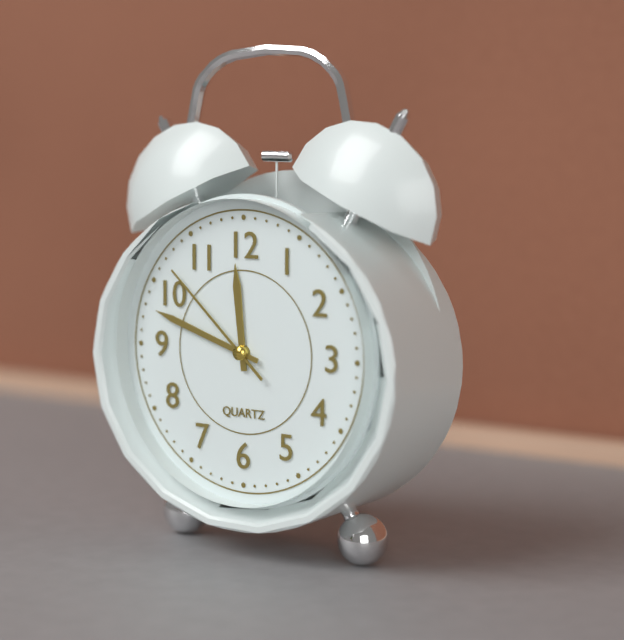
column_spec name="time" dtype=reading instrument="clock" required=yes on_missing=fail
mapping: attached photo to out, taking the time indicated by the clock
11:48:52
